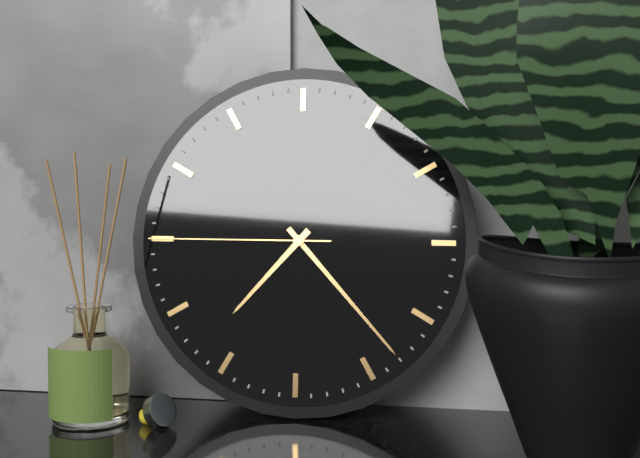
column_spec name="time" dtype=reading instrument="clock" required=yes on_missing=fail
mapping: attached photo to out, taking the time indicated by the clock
7:23:45
